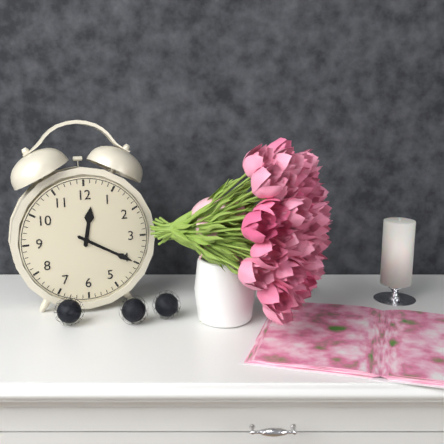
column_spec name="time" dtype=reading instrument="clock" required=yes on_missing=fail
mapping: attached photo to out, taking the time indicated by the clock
12:20
